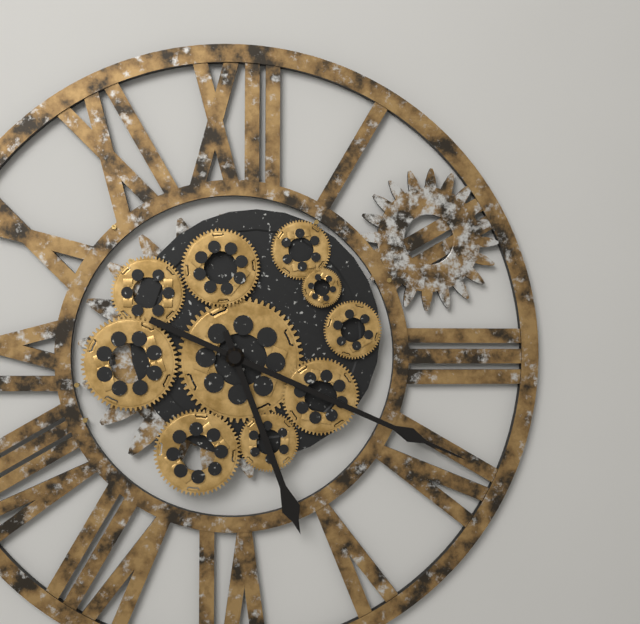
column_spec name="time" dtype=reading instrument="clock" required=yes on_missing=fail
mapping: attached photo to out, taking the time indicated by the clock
5:19
